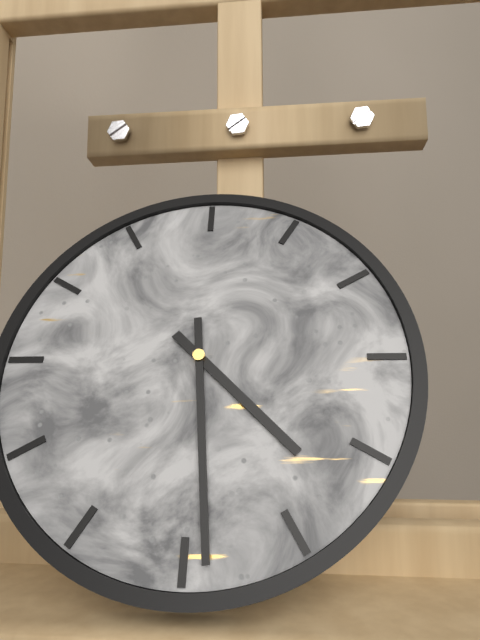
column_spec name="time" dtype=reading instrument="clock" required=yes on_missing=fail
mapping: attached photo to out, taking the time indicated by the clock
4:29
